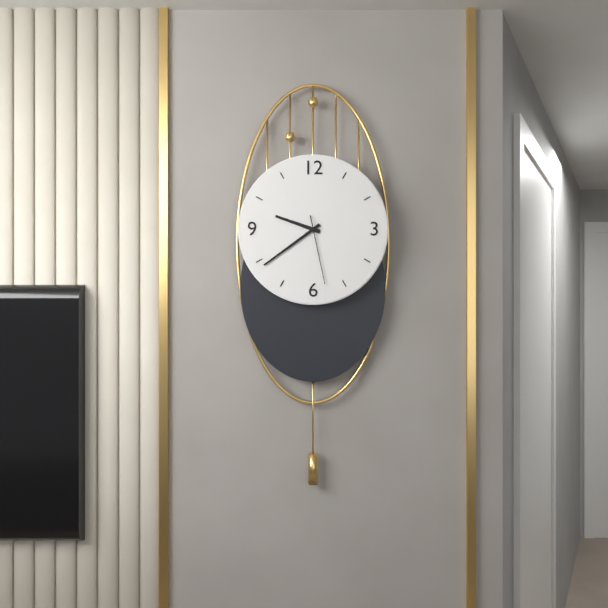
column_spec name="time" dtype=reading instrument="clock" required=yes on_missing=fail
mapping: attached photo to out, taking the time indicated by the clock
9:39:28
